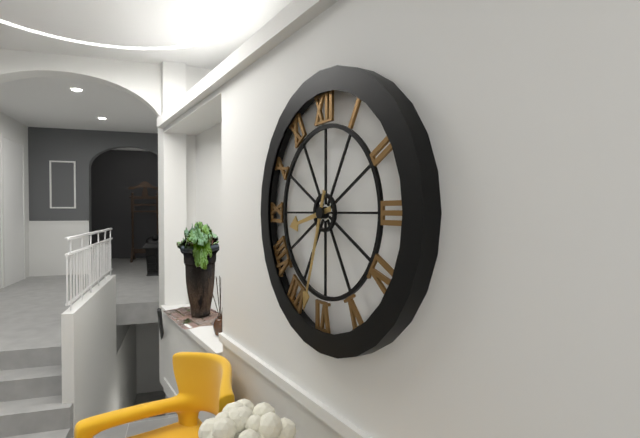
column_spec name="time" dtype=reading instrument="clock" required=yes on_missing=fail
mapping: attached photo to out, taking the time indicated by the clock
8:33
